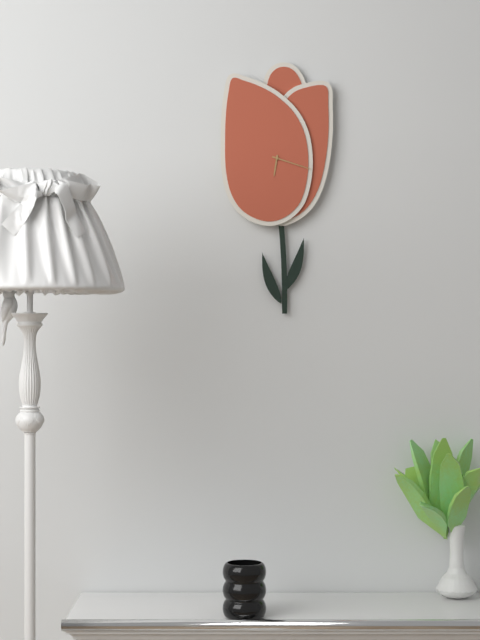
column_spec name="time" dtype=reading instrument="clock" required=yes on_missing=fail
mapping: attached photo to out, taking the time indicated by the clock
6:18
